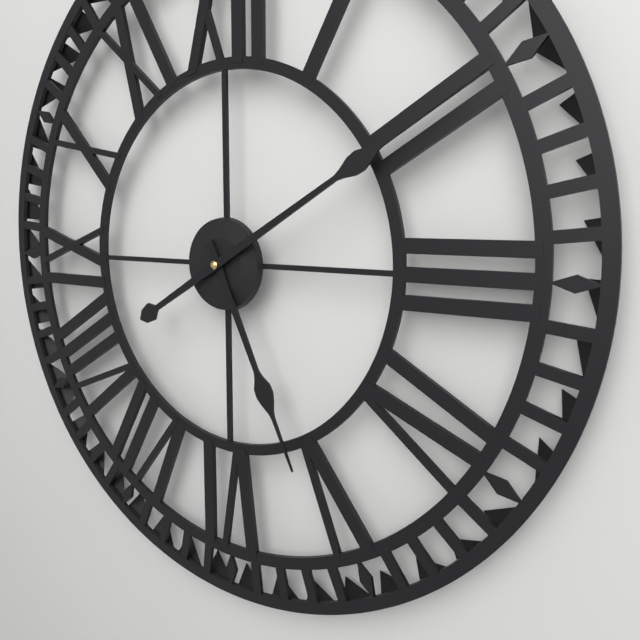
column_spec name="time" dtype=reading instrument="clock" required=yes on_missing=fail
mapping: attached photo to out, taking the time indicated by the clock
5:10
